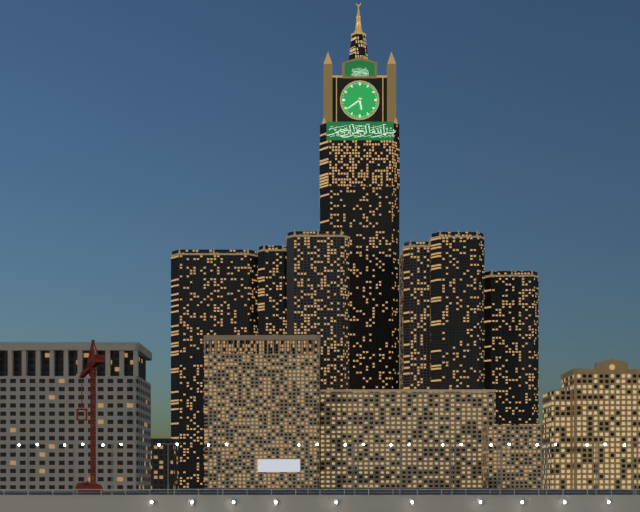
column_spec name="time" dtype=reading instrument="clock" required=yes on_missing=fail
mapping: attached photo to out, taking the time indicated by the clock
5:39
